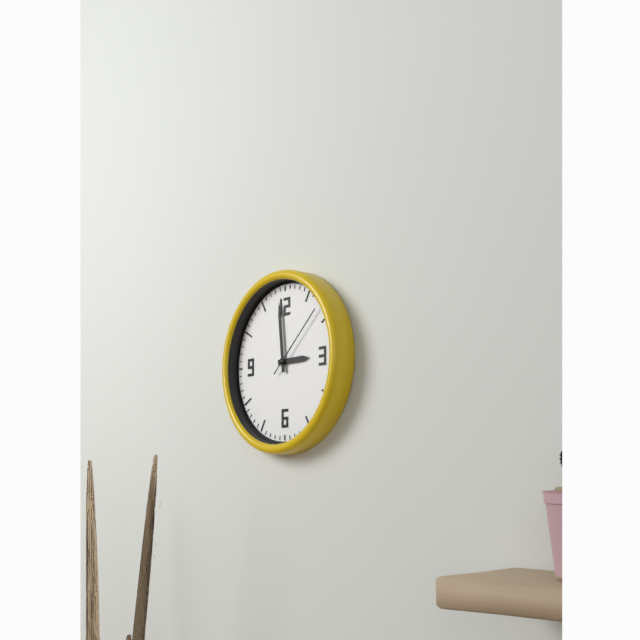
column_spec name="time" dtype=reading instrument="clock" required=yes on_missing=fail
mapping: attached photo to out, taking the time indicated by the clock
2:59:08
